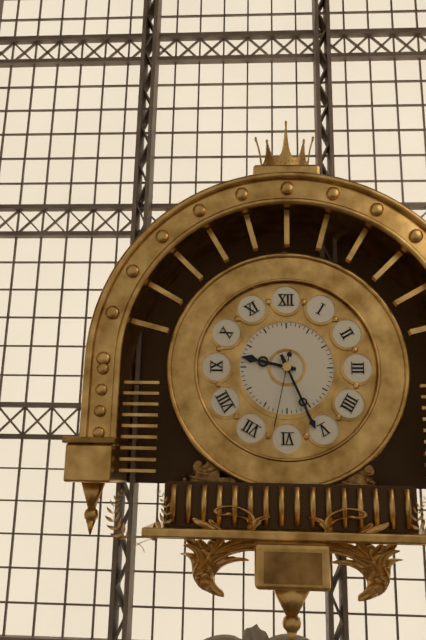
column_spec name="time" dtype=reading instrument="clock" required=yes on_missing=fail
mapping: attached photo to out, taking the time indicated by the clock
9:26:32
